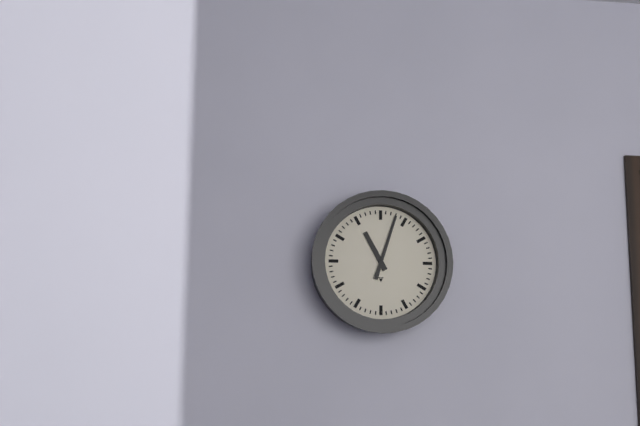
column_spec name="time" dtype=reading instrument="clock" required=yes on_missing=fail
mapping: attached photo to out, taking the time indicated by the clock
11:03
